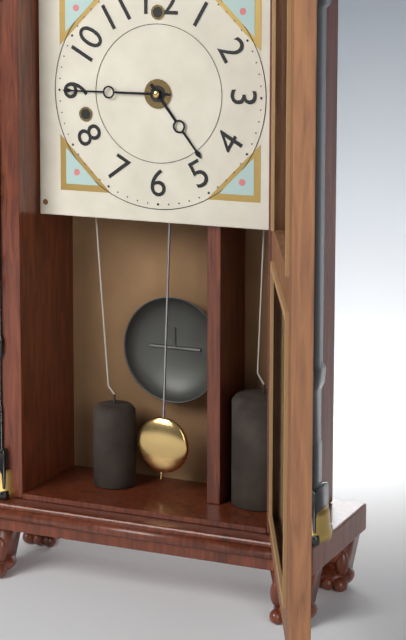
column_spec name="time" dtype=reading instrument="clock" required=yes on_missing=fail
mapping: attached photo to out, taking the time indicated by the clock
4:45
